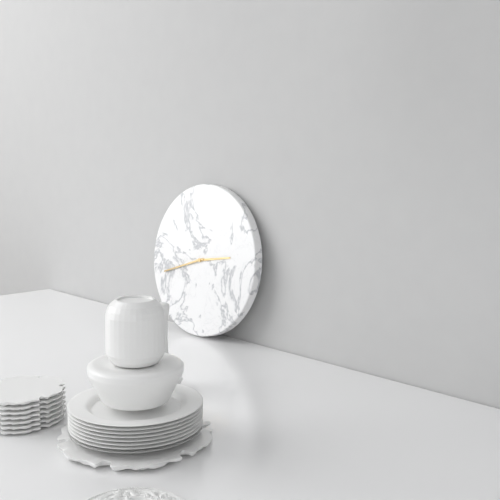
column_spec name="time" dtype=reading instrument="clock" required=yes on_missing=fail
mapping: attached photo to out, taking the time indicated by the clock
2:42
